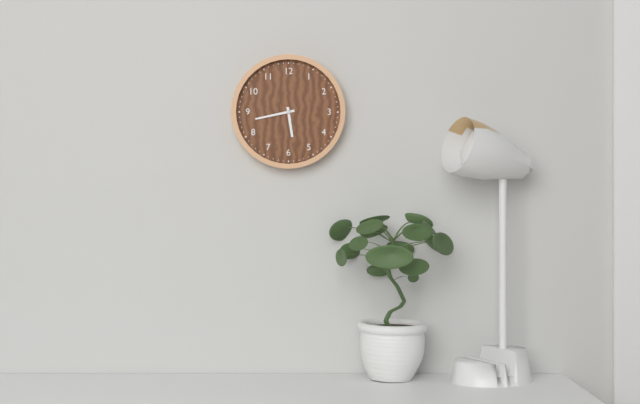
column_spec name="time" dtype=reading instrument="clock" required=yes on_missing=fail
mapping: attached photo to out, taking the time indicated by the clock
5:43
